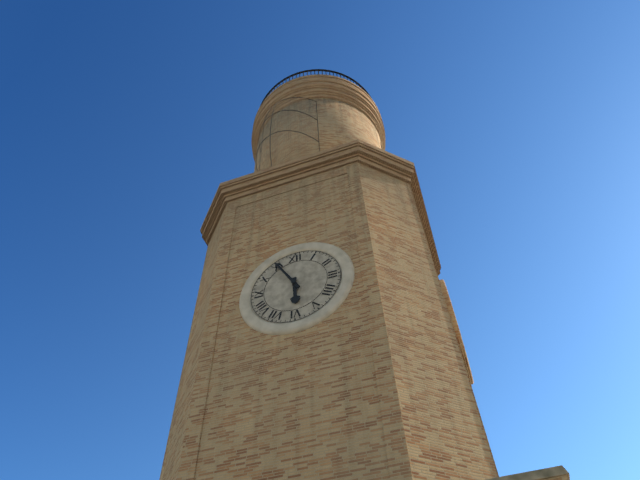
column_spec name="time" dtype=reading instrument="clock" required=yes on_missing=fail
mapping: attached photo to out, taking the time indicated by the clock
5:55
